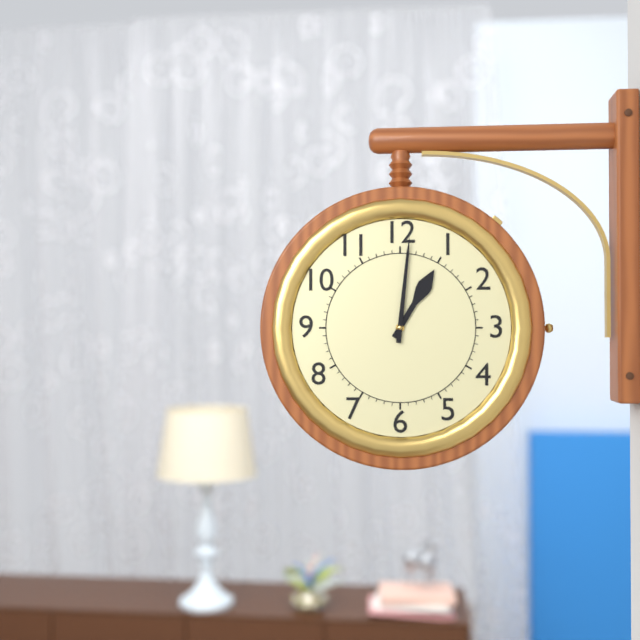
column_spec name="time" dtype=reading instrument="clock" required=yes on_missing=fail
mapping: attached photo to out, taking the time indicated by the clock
1:01
